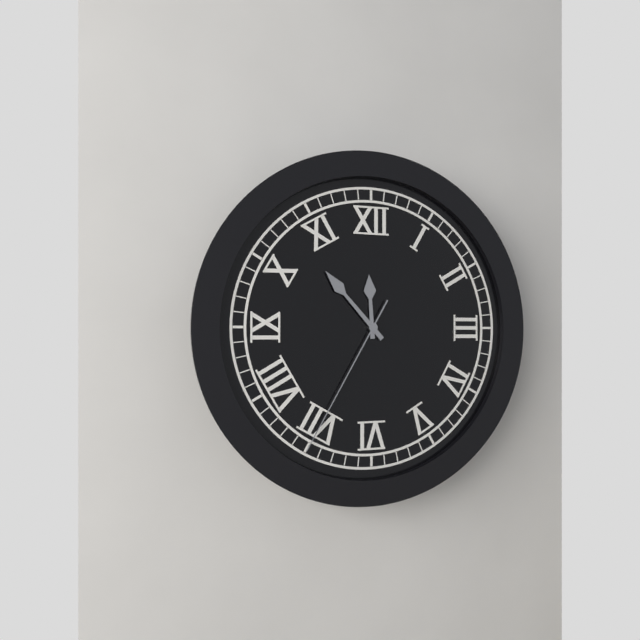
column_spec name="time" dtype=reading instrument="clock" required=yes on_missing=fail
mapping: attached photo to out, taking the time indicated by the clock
11:53:35
